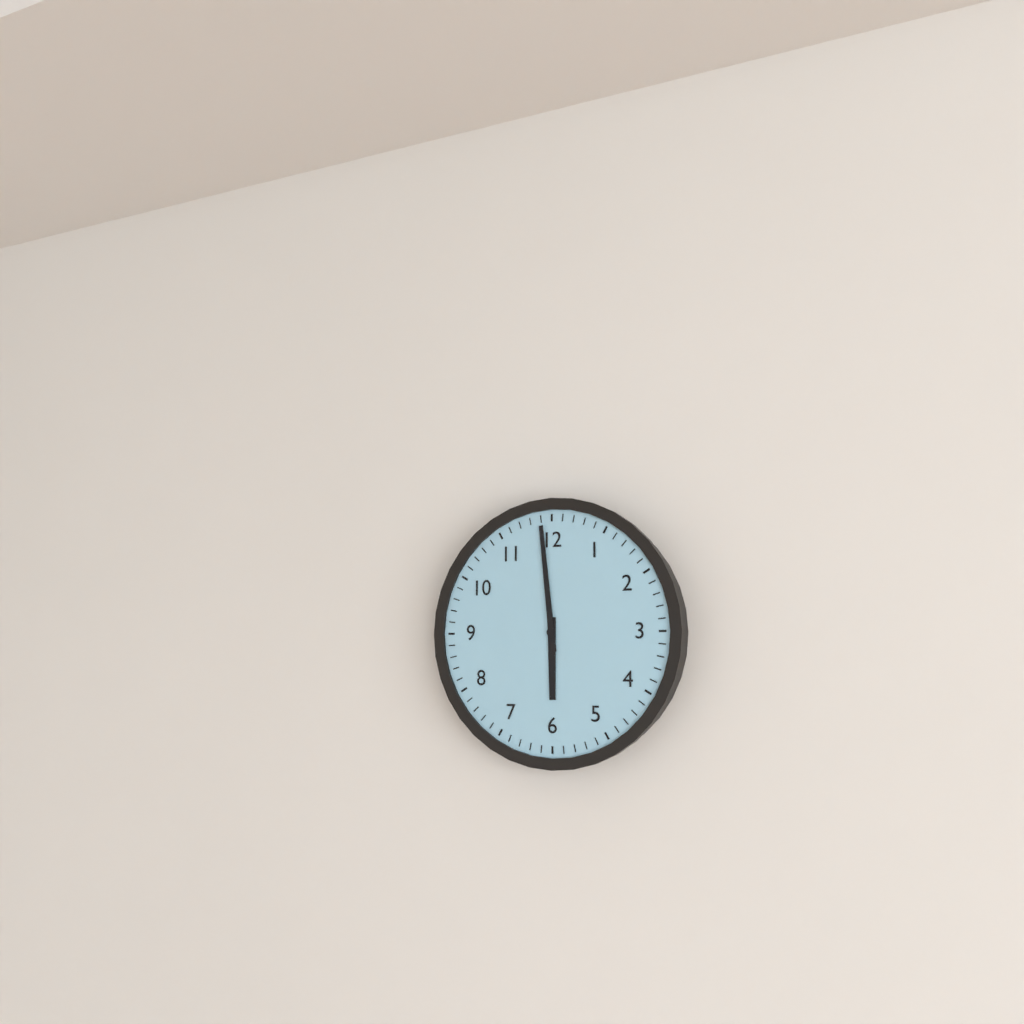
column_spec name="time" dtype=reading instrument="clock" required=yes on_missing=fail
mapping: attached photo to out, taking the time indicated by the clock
5:59
